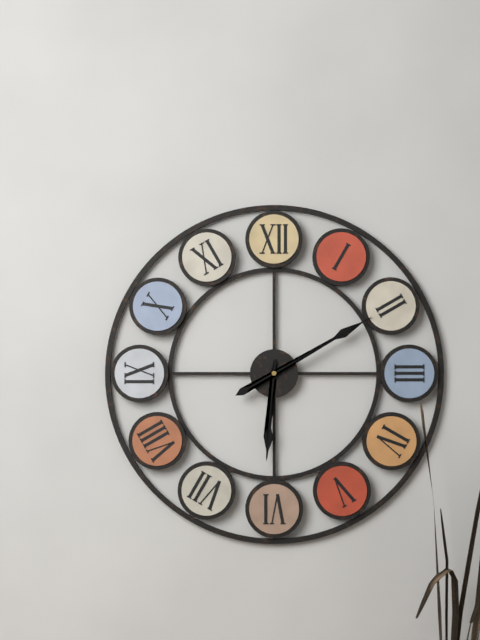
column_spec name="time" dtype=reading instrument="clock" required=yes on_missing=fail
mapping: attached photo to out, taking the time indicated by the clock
6:10
